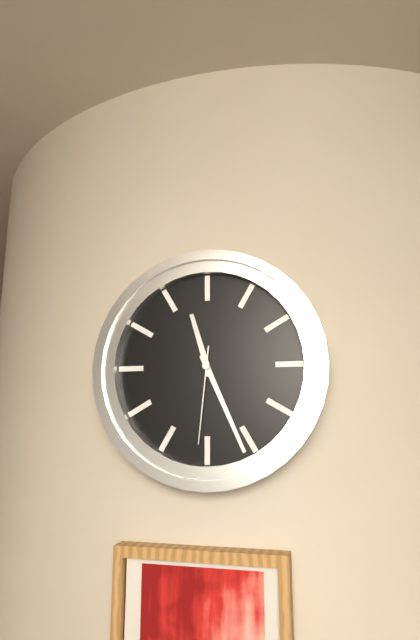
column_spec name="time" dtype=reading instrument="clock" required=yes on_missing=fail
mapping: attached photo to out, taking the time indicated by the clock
11:26:31
